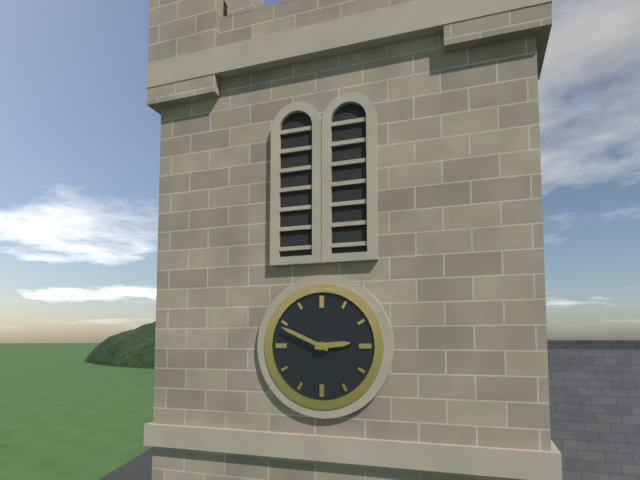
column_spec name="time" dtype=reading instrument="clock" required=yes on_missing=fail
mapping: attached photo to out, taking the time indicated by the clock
2:49
